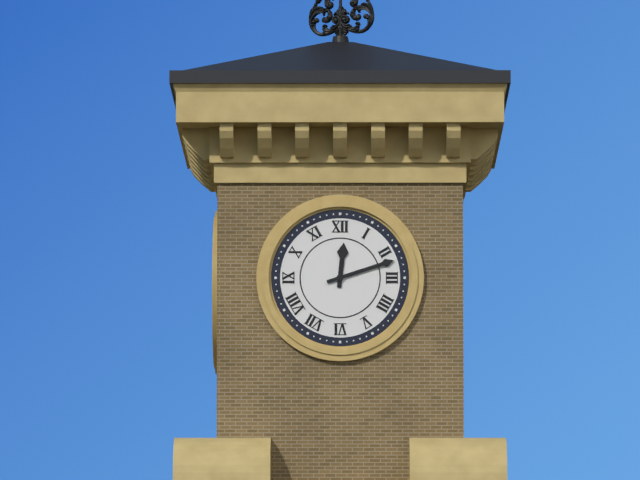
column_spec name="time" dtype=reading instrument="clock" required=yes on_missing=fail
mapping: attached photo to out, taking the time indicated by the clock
12:12
